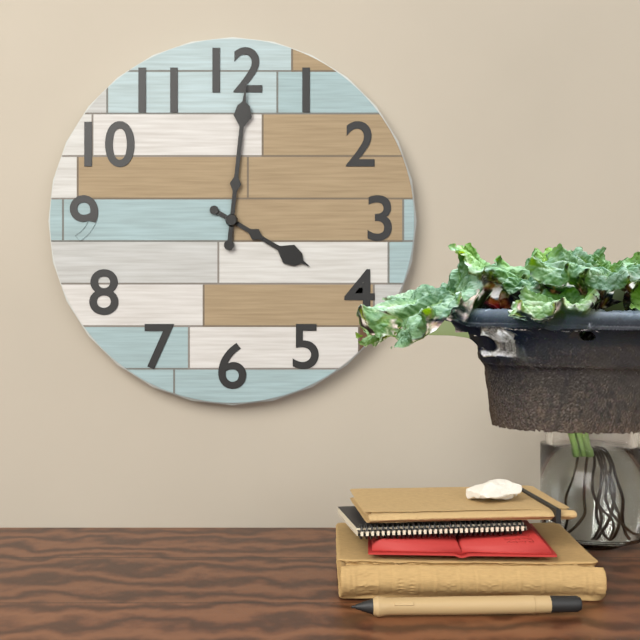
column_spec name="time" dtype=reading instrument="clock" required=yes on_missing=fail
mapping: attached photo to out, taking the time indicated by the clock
4:01
